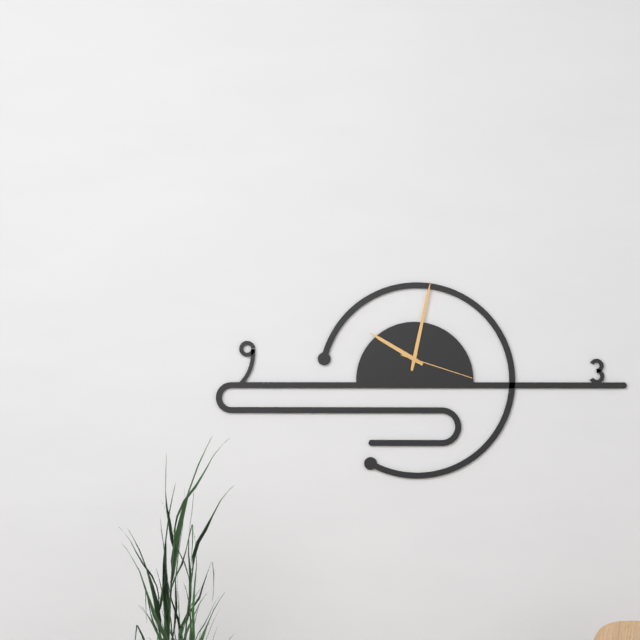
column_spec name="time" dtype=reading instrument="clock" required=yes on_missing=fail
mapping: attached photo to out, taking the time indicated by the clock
10:02:18
